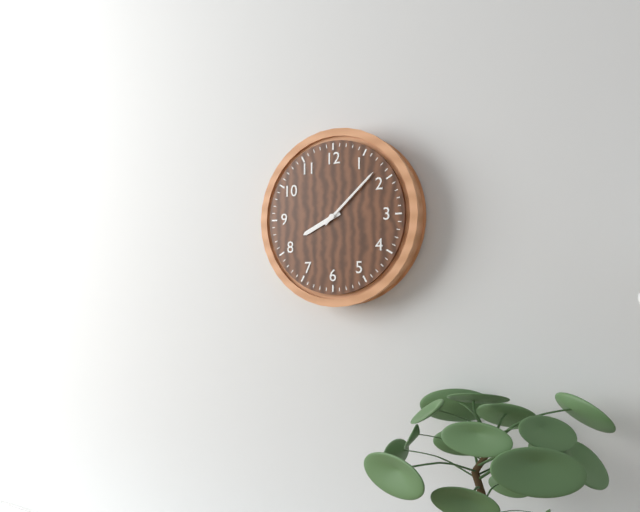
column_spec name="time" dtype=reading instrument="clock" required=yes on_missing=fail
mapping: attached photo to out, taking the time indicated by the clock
8:08
